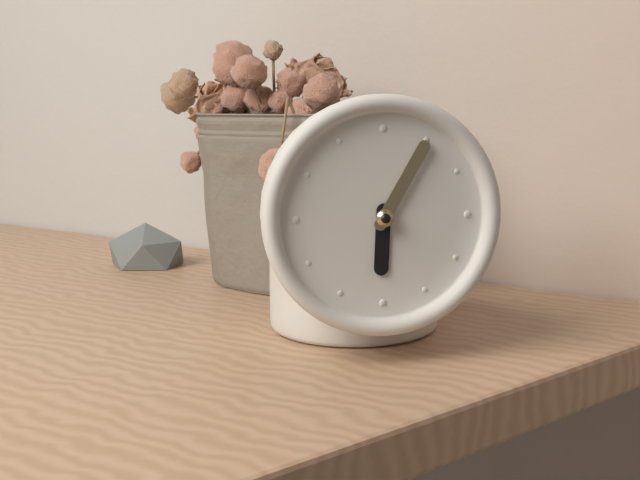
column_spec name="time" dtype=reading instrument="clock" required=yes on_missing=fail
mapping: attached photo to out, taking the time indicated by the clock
6:05
